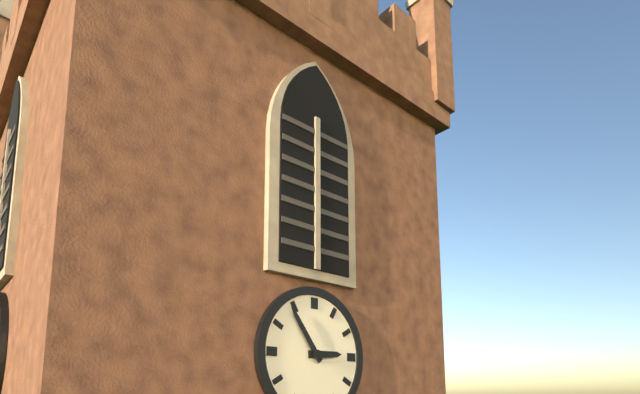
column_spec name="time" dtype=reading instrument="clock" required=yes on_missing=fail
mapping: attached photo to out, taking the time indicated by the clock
2:54
